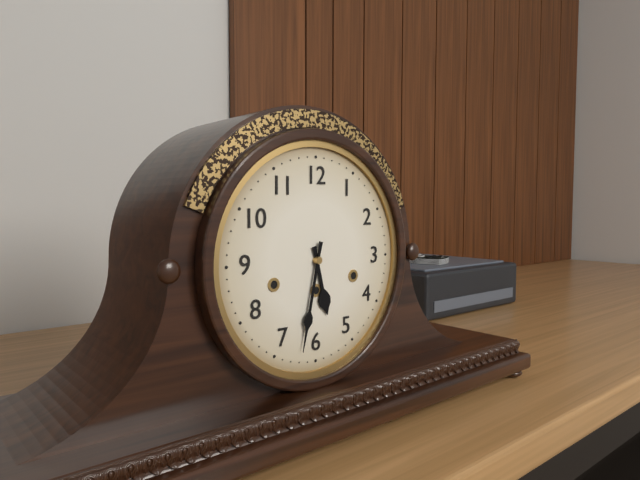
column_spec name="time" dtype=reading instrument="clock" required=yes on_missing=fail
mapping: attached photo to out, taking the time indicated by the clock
5:32
